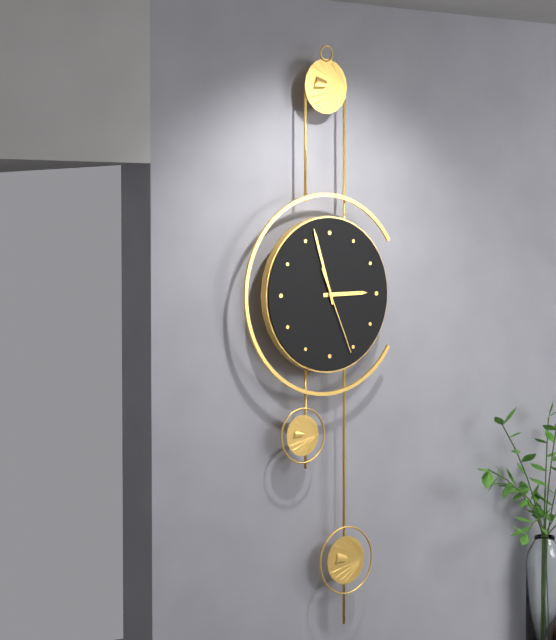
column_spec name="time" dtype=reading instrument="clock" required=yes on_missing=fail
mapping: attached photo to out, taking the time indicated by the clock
2:57:26
